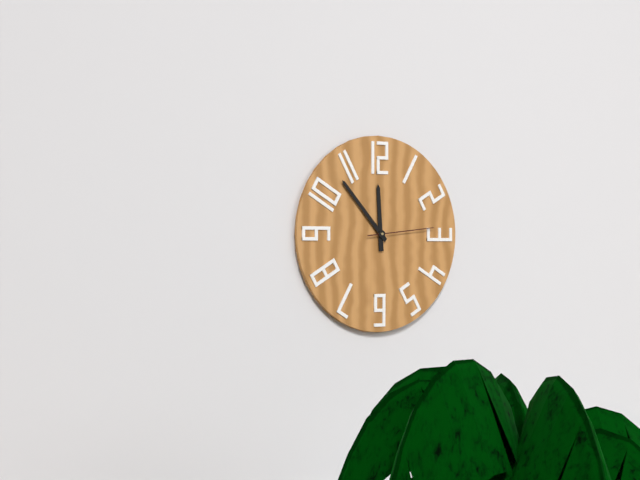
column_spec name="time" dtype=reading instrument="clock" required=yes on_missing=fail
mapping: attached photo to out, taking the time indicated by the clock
11:53:14
